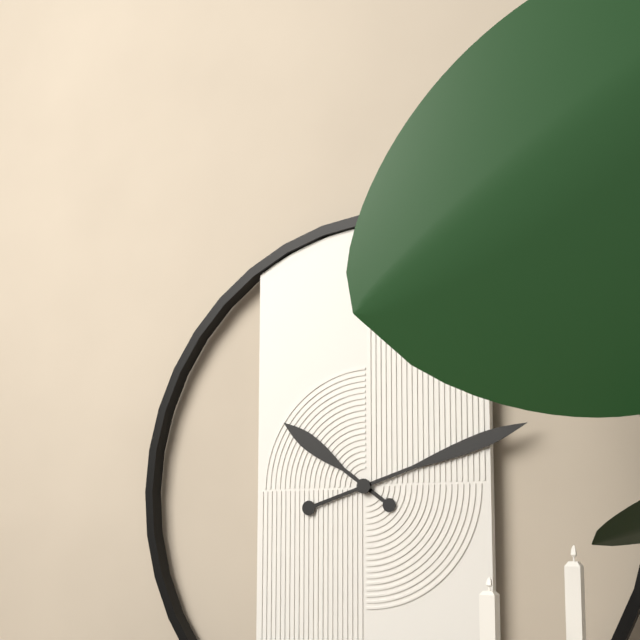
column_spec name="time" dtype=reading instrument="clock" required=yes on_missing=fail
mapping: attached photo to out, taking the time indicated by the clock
10:12
